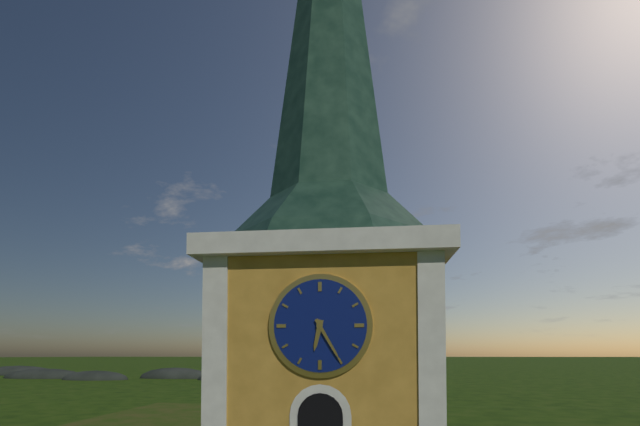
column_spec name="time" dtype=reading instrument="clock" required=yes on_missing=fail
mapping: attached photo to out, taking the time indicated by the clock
6:25
